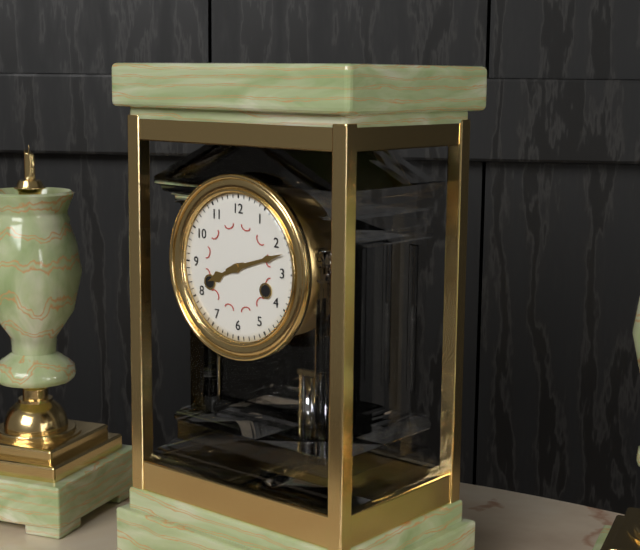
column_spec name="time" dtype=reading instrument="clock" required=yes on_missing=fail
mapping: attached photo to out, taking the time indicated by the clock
8:12
